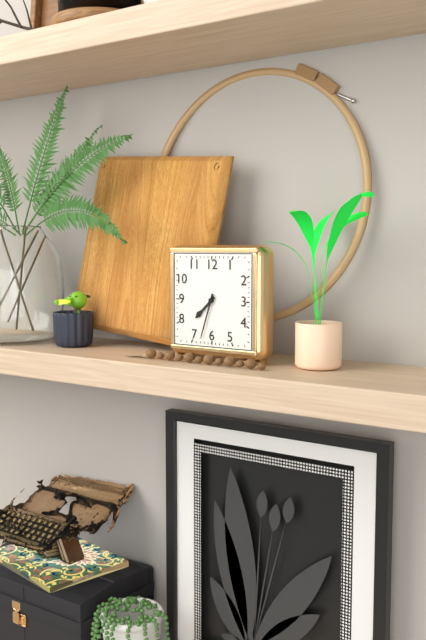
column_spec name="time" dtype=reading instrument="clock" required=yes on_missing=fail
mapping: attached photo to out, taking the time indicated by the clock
7:33
